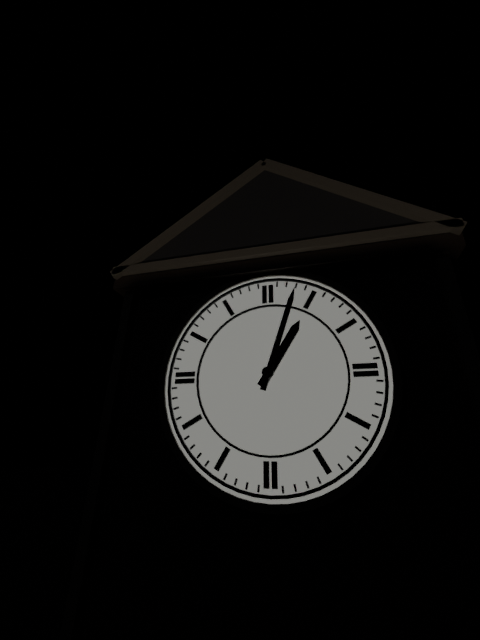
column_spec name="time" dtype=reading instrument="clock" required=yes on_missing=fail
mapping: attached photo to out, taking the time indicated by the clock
1:03
